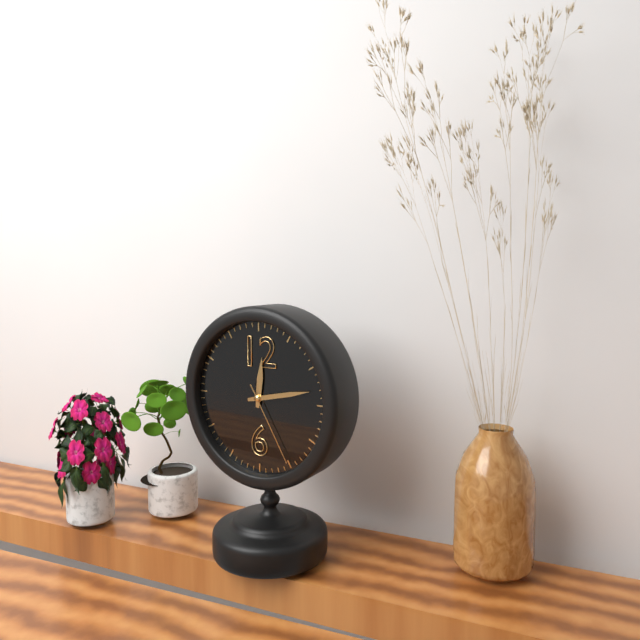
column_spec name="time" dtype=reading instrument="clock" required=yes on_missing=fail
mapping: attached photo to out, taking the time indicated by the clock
12:13:25
